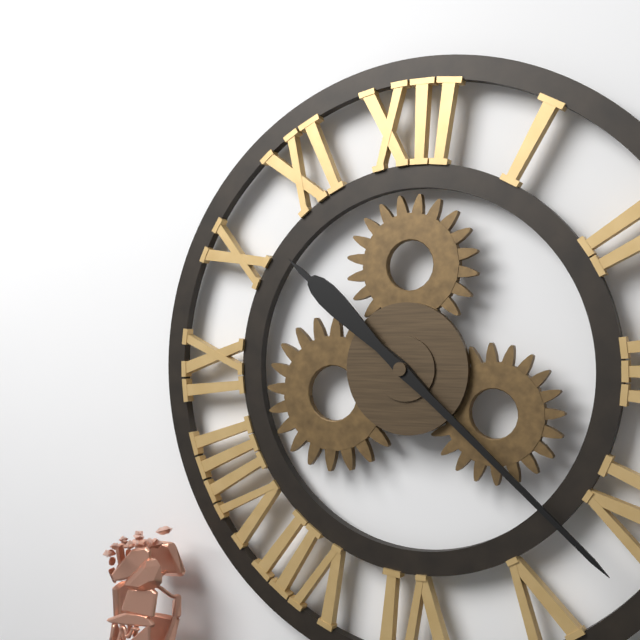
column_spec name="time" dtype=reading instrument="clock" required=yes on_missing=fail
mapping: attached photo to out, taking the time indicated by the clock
10:22
